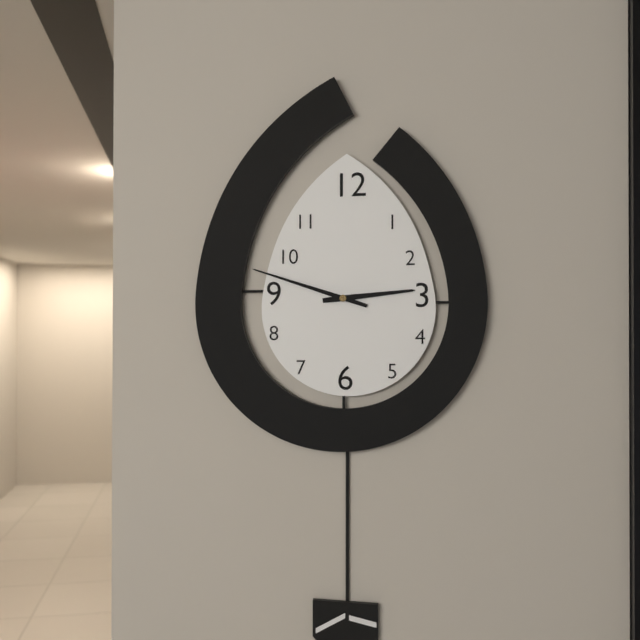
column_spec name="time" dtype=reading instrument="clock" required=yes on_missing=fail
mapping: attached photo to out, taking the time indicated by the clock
2:48
